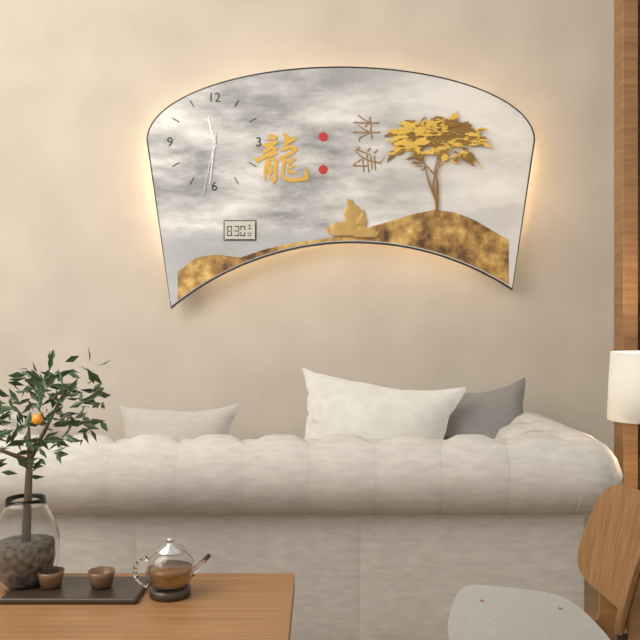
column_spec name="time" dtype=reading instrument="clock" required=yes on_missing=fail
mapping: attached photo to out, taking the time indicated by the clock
11:31:32
